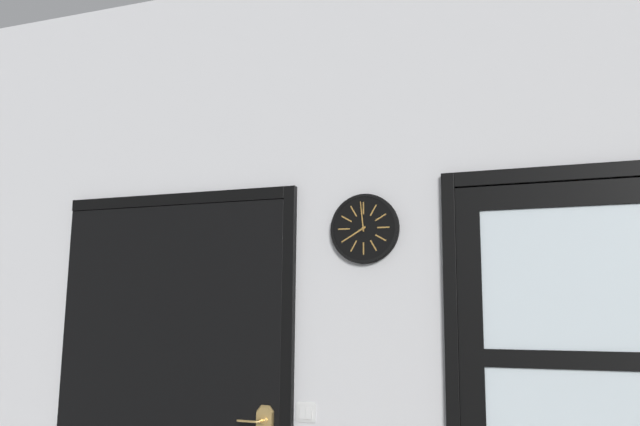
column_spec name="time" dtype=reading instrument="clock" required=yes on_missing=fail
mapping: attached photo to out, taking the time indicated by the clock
7:59
